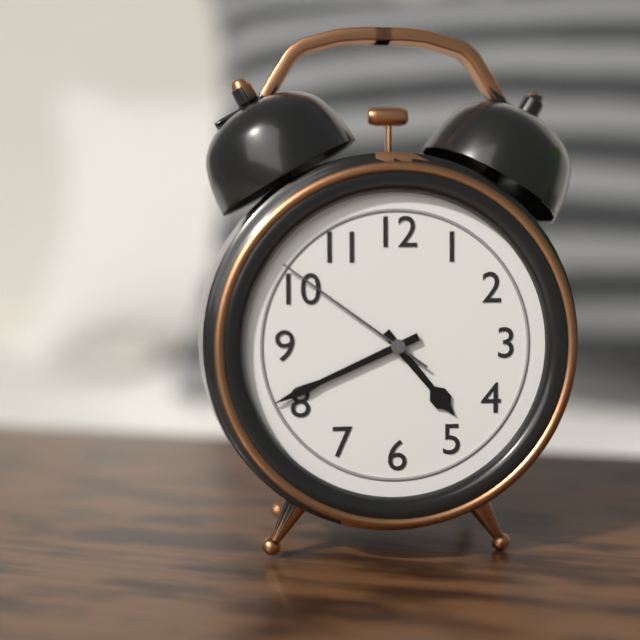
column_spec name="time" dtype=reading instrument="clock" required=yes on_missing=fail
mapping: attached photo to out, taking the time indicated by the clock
4:41:51
